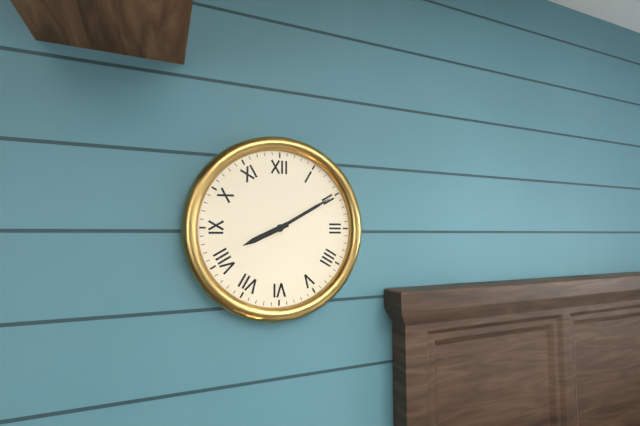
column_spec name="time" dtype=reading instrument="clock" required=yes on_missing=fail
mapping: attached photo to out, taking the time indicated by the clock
8:10
